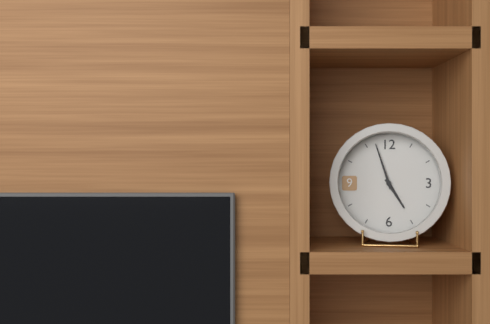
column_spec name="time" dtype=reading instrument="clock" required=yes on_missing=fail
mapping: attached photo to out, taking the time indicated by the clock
4:57
